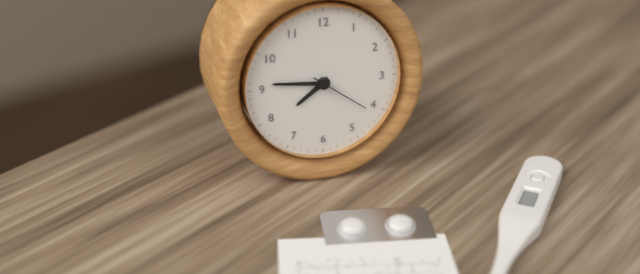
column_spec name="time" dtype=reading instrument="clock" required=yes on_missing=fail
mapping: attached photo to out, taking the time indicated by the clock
7:46:21
